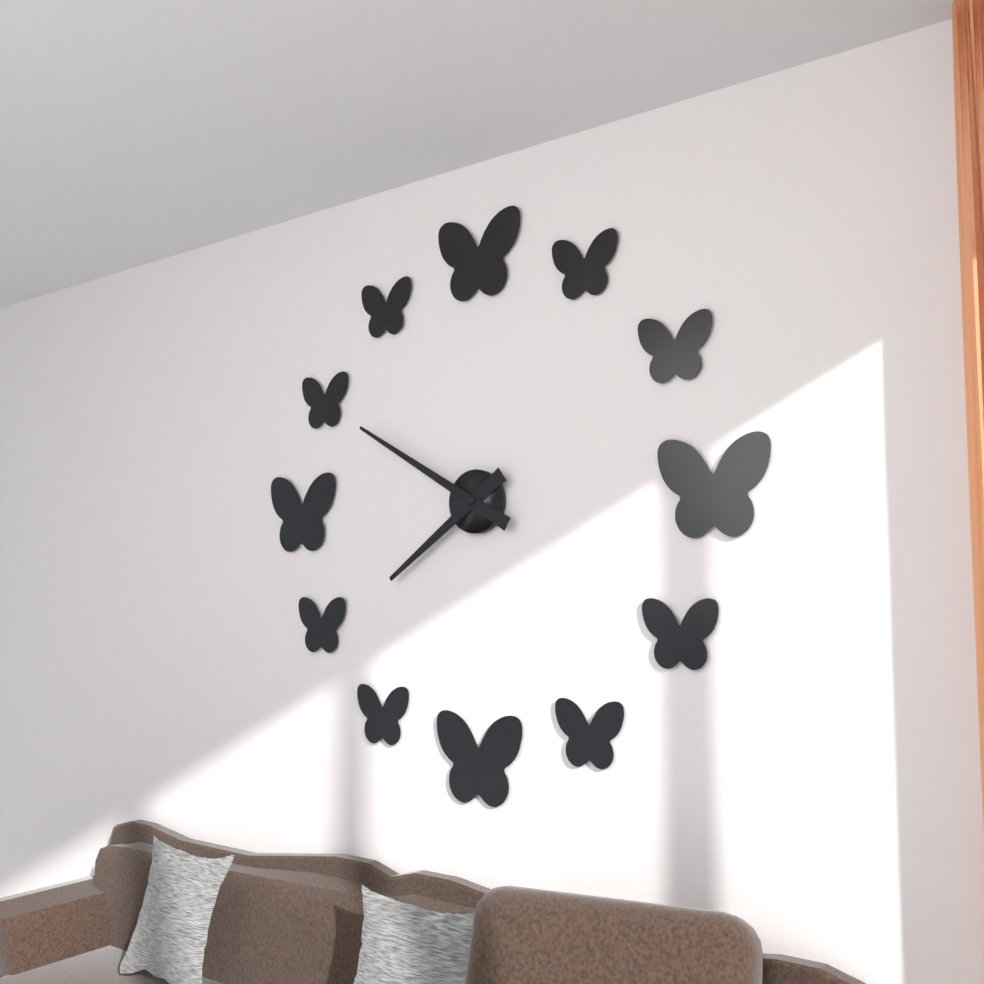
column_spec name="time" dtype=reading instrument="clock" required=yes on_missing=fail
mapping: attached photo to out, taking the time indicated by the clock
7:50
